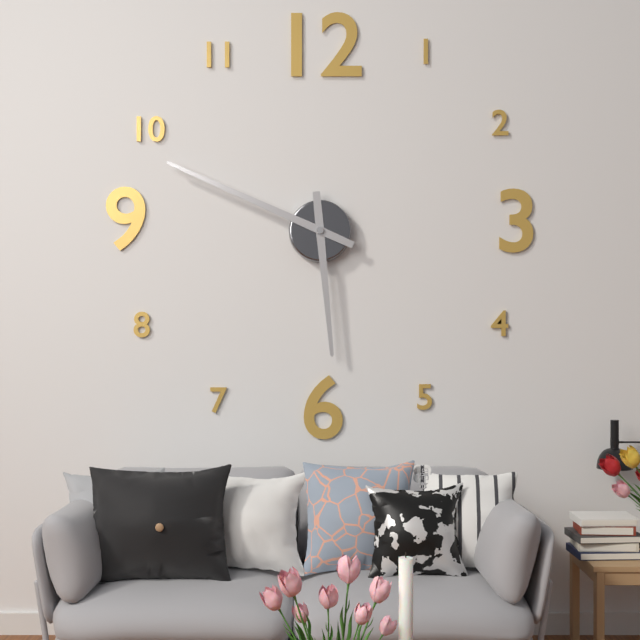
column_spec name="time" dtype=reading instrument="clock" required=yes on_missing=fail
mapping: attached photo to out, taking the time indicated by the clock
5:49
